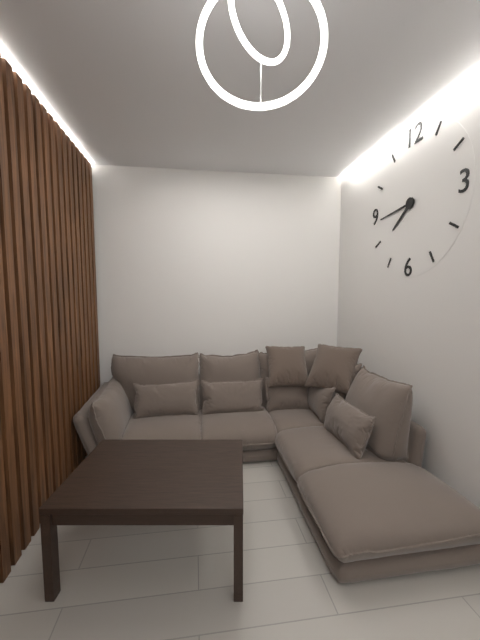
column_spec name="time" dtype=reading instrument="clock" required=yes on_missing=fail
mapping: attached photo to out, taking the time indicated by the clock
7:44
